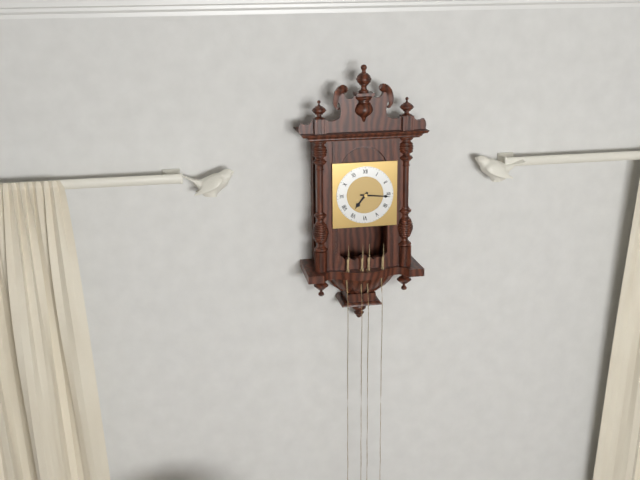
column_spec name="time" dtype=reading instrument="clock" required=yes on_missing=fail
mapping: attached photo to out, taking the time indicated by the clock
7:16
